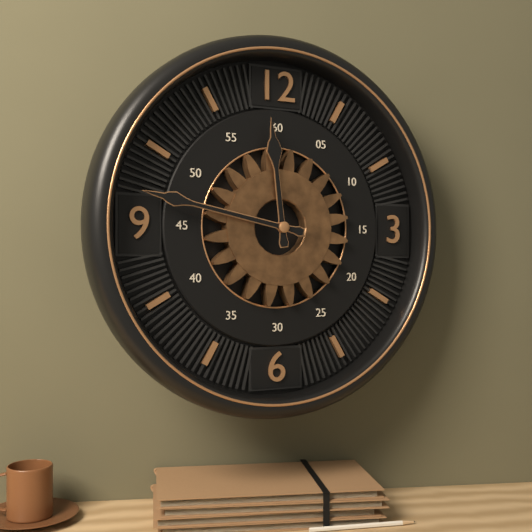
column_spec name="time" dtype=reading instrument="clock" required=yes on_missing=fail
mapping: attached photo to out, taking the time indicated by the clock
11:47
